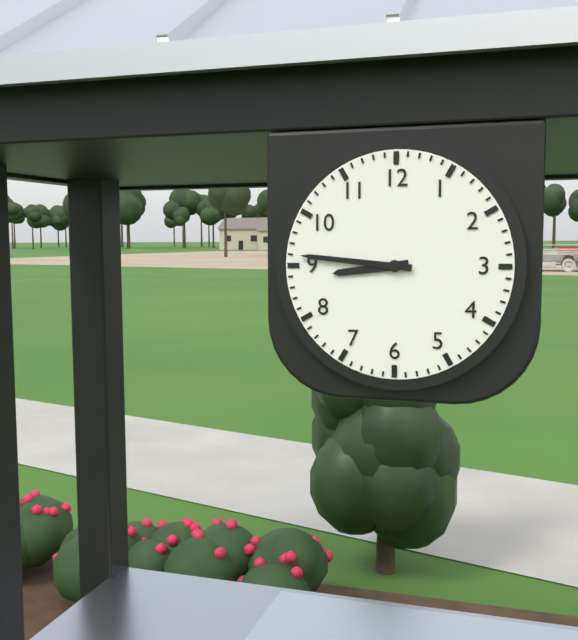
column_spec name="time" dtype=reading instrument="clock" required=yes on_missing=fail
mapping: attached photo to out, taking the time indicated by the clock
8:46
